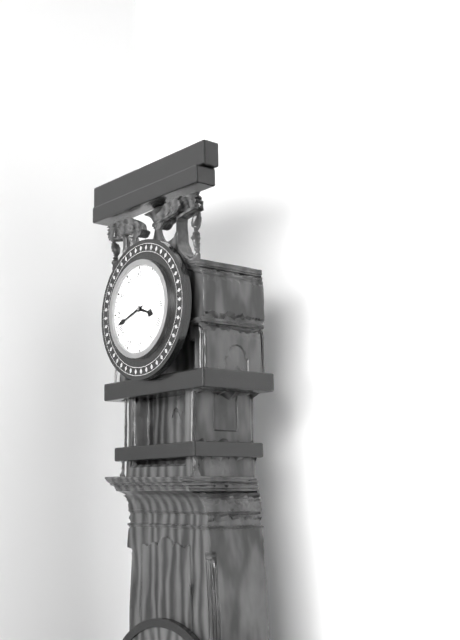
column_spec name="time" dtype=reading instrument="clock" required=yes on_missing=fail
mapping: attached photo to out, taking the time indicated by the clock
3:42
